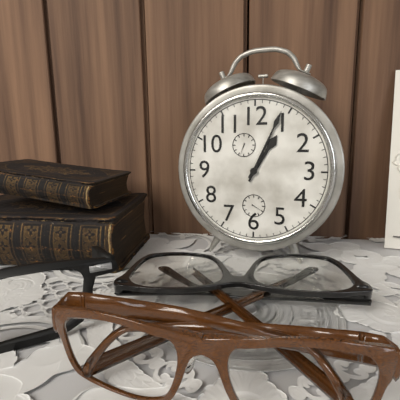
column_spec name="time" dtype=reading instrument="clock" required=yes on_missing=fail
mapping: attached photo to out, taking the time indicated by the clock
1:04
